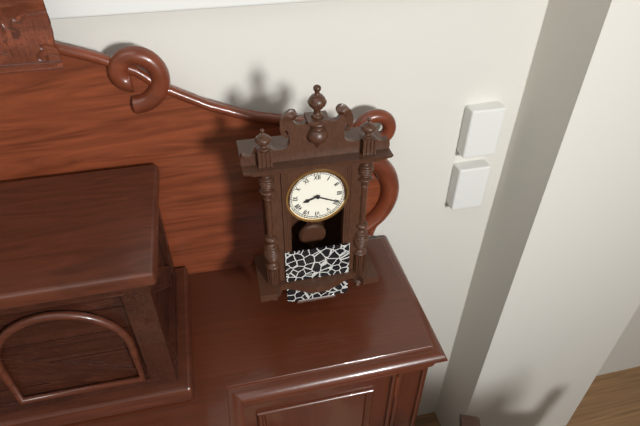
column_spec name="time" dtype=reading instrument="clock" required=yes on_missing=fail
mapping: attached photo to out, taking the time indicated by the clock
8:19
